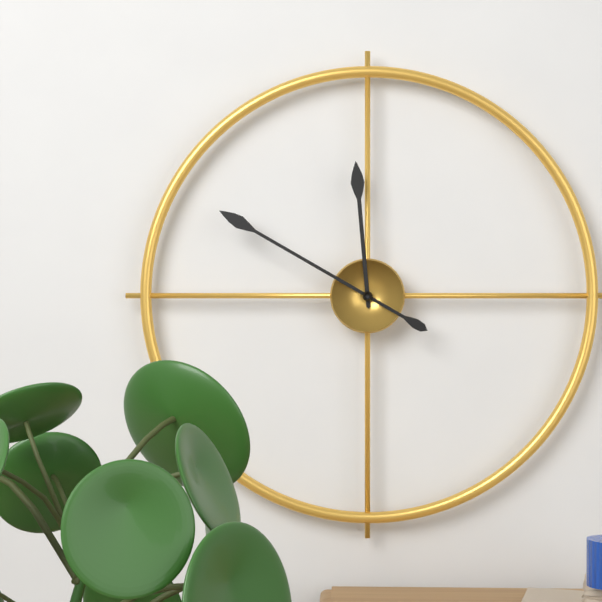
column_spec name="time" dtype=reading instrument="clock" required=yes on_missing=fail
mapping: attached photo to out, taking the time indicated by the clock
11:50
